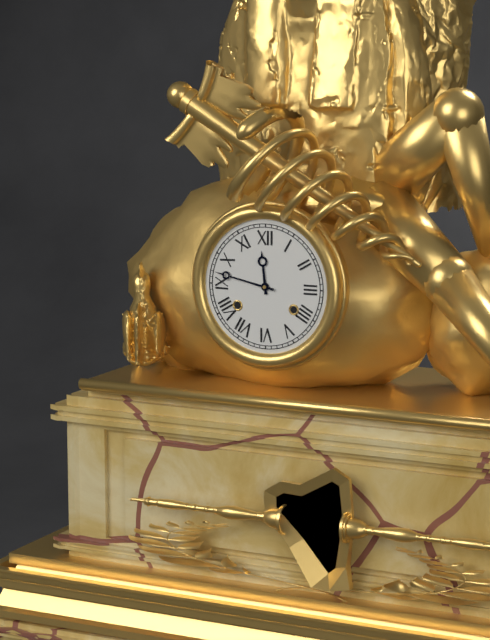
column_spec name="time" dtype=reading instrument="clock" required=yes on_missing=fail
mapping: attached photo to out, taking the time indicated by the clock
11:47
